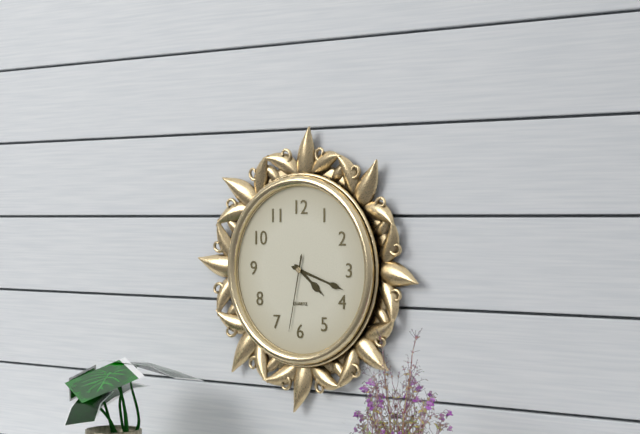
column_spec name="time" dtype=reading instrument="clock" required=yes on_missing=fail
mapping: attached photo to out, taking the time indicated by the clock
4:18:32
